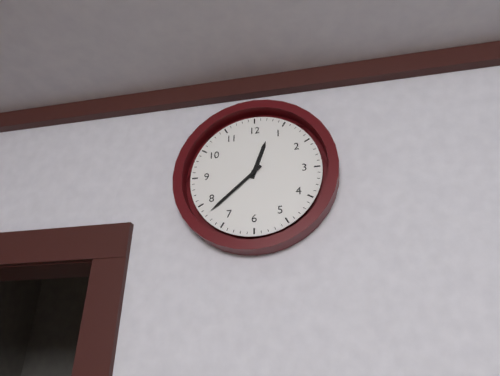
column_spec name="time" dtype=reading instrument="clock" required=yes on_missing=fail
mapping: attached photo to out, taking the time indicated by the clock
12:38
